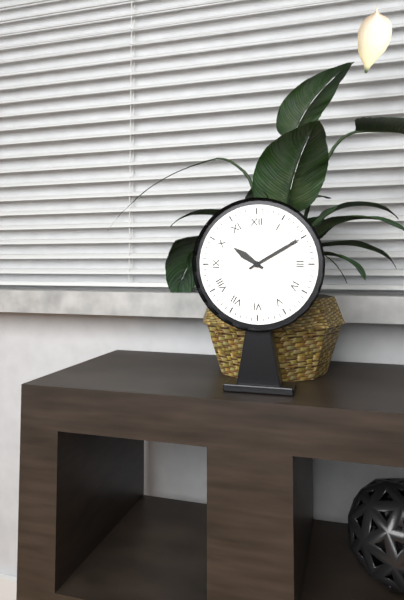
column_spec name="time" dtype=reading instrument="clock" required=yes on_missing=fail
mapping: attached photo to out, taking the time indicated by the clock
10:10
